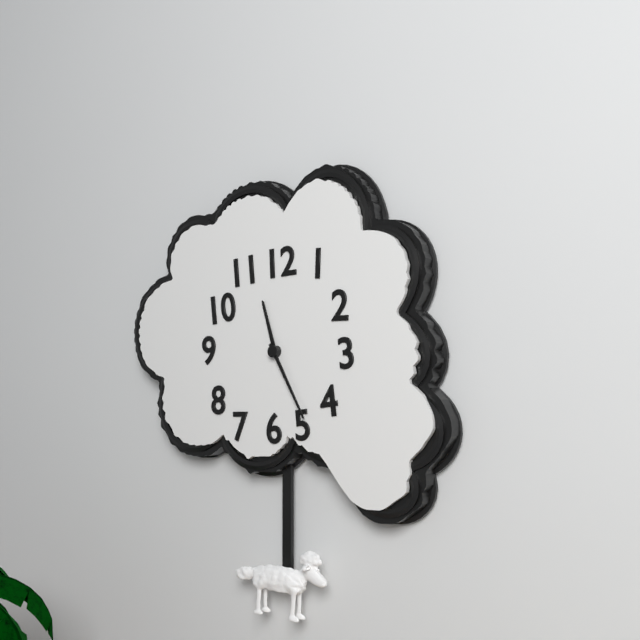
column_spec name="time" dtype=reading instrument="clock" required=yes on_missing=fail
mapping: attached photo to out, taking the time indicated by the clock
11:25
